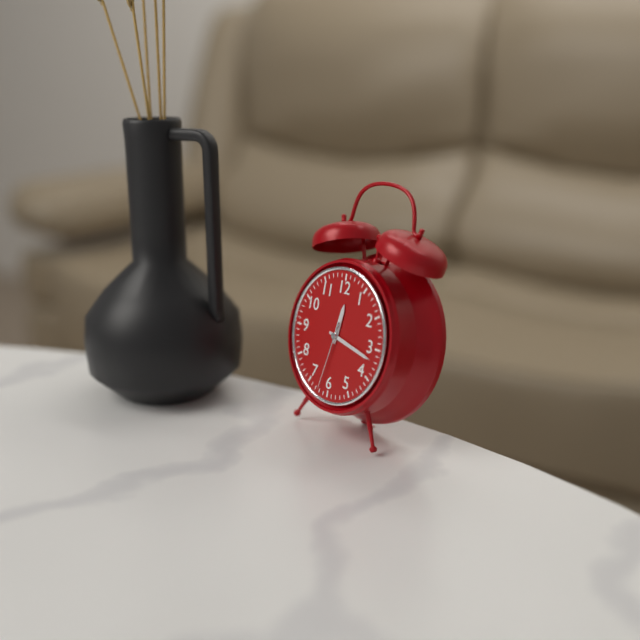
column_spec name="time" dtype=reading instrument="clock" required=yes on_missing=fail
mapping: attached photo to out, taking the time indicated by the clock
12:17:32
